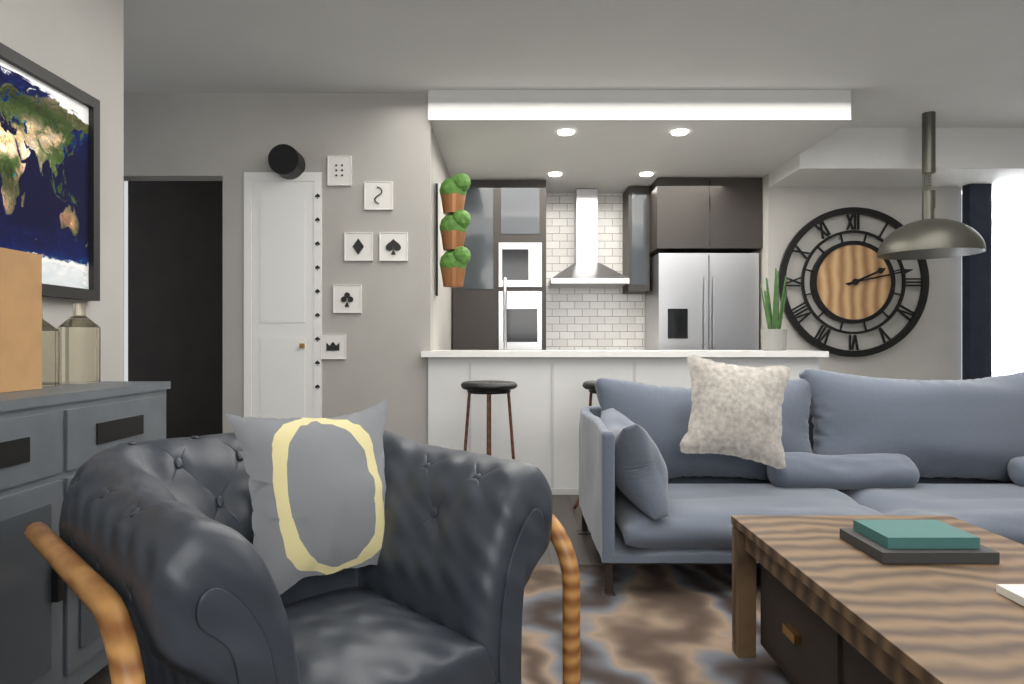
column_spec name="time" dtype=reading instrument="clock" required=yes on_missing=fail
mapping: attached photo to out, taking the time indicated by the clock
2:13
